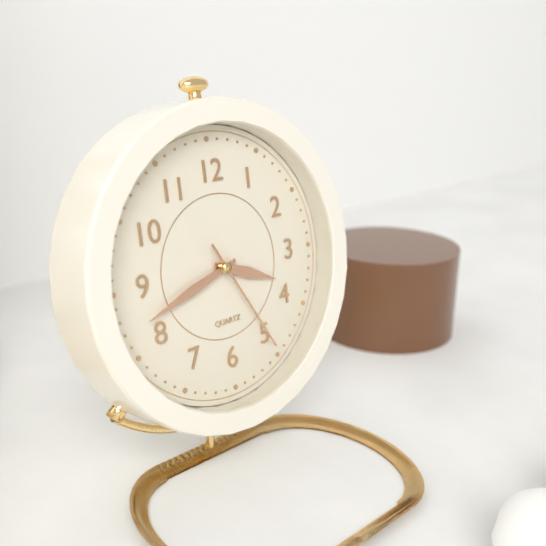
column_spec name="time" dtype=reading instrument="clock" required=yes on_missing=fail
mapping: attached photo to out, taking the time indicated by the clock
3:42:25
